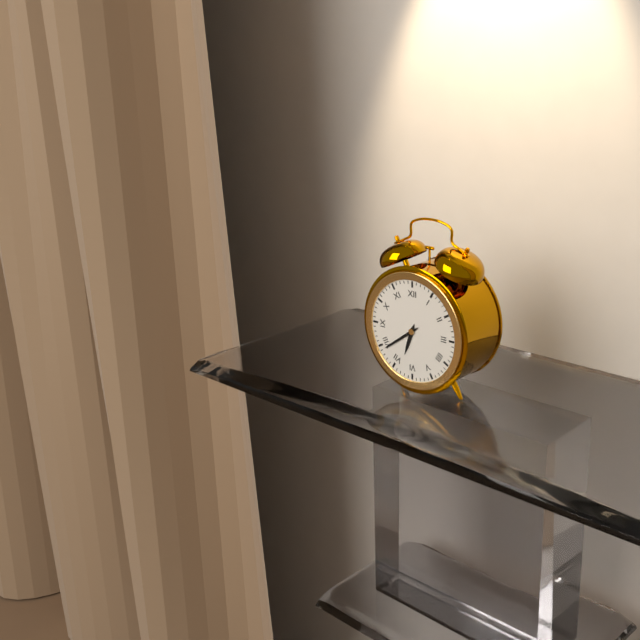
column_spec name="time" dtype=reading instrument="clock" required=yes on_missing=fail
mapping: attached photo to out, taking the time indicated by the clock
6:39
